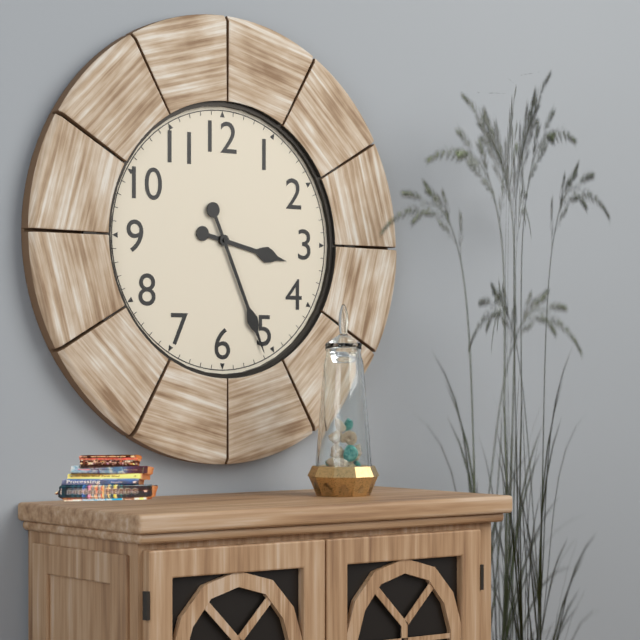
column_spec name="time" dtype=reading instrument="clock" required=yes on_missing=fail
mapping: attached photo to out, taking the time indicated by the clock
3:26
